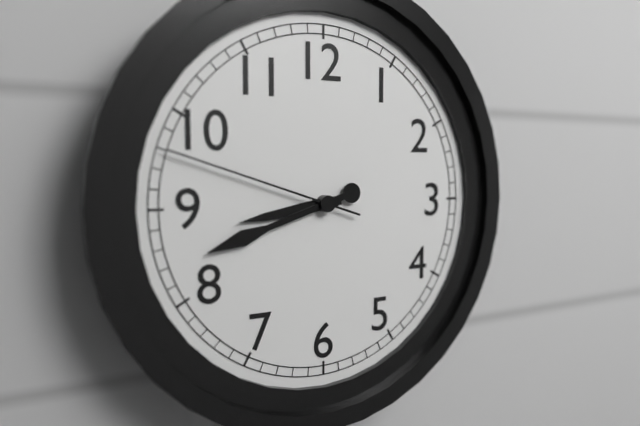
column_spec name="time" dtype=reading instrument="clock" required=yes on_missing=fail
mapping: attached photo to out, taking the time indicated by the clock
8:42:48
